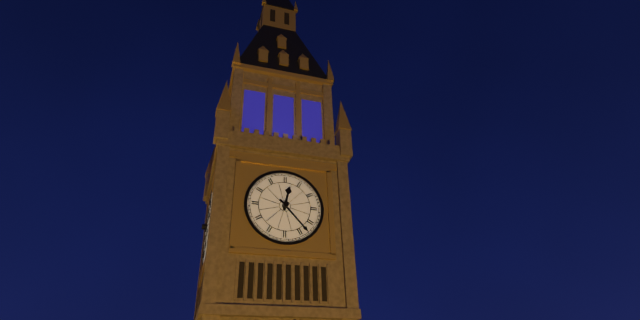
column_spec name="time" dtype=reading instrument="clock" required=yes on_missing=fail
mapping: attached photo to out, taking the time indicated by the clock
12:23
